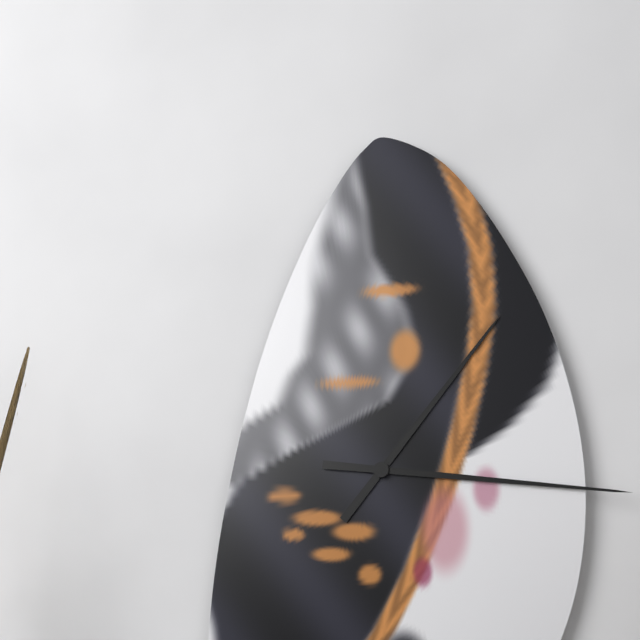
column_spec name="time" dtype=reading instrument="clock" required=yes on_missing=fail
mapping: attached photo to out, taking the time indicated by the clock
1:16
